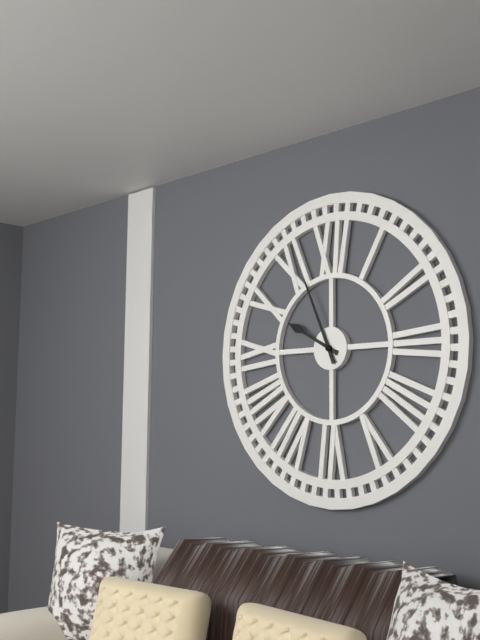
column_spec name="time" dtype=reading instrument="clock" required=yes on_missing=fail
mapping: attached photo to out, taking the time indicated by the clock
9:56
